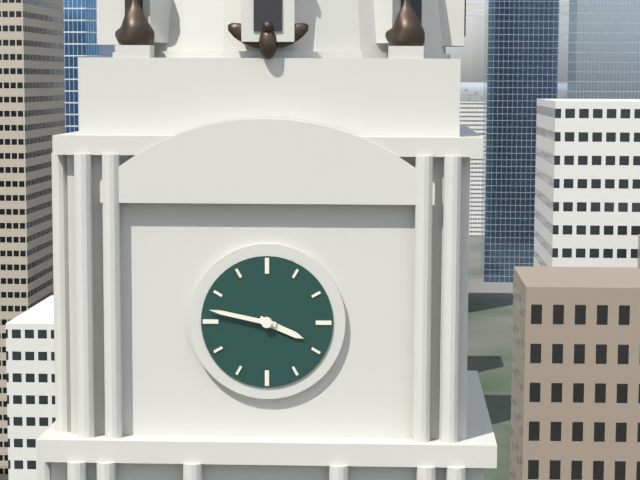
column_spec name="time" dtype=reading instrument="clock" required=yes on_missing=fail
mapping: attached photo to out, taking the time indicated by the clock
3:47
